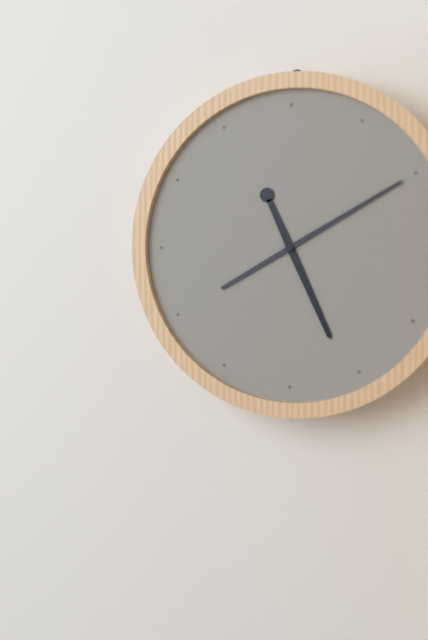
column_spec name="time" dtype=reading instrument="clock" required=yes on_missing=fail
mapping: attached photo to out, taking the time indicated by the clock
5:10
